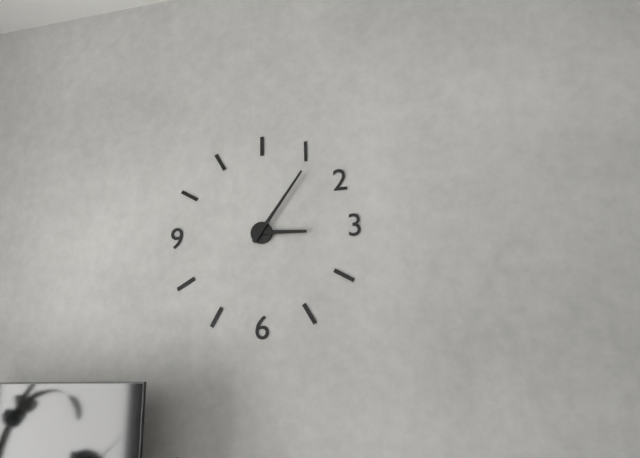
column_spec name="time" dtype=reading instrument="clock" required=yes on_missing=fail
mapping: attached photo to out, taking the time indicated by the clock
3:06
